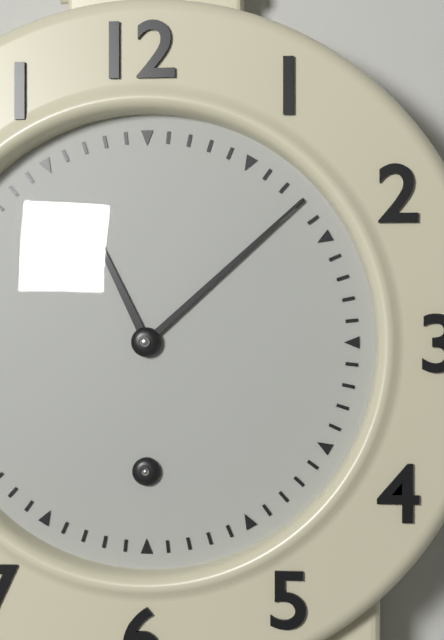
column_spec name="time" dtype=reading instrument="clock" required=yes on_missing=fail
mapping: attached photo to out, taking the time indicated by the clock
11:08
